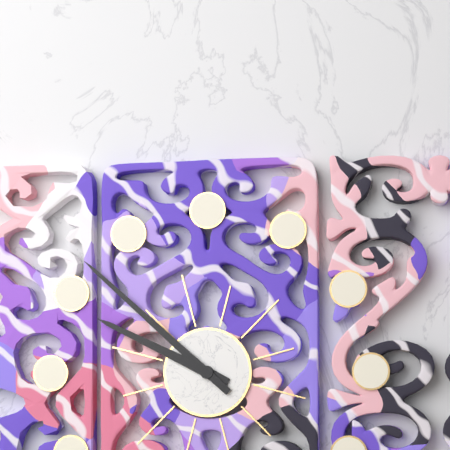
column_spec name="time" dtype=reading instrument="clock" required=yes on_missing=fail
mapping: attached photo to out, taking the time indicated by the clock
9:52
